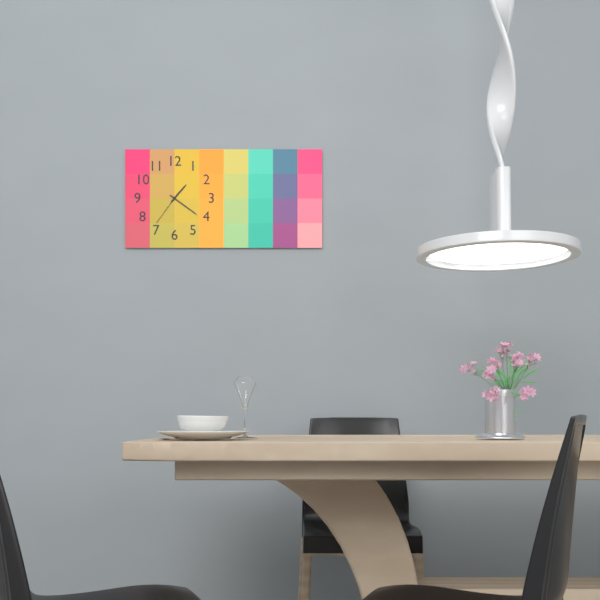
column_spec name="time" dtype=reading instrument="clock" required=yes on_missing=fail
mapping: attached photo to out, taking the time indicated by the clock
1:21
